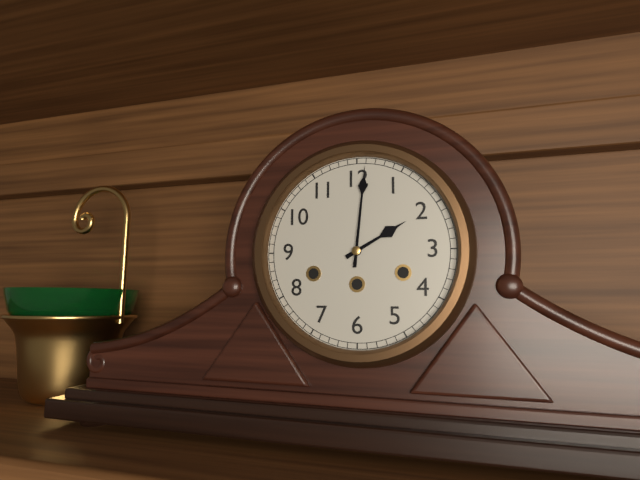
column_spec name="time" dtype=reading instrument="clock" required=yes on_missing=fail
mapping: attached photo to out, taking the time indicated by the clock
2:01
